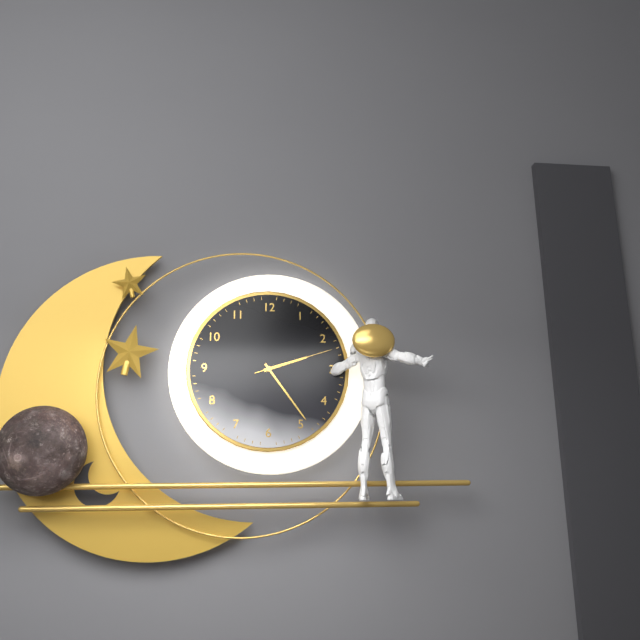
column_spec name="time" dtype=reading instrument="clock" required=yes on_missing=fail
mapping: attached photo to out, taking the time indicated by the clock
2:24:12
